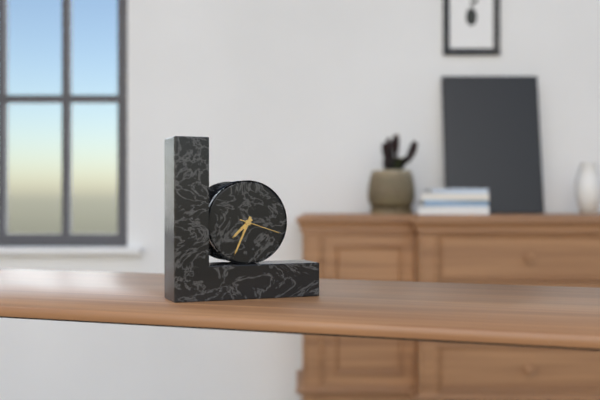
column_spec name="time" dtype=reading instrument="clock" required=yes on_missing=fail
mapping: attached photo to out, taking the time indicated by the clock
7:34
